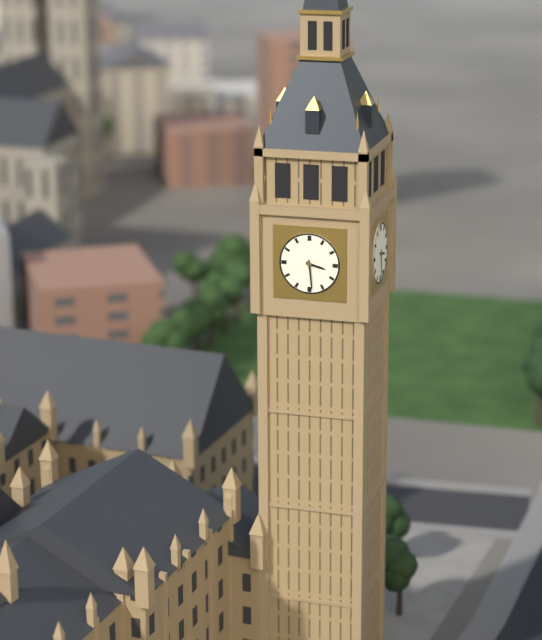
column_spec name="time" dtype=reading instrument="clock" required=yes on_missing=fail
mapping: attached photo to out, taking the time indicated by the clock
3:29
